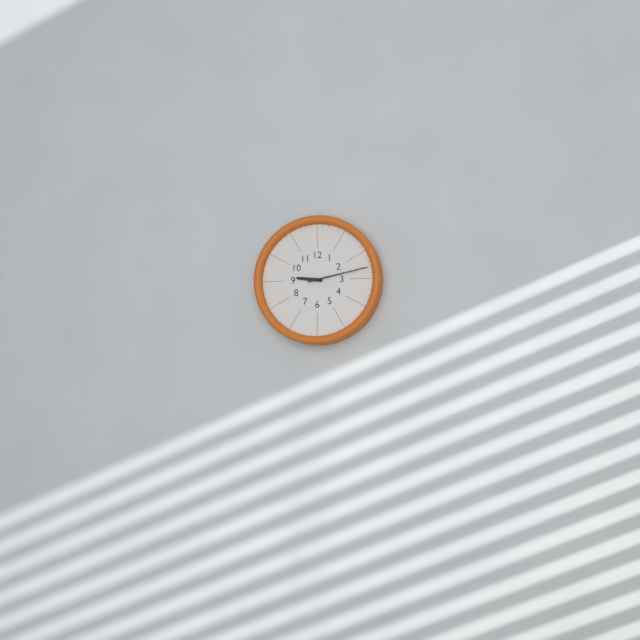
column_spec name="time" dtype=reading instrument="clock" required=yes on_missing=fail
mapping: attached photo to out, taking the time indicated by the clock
9:13
